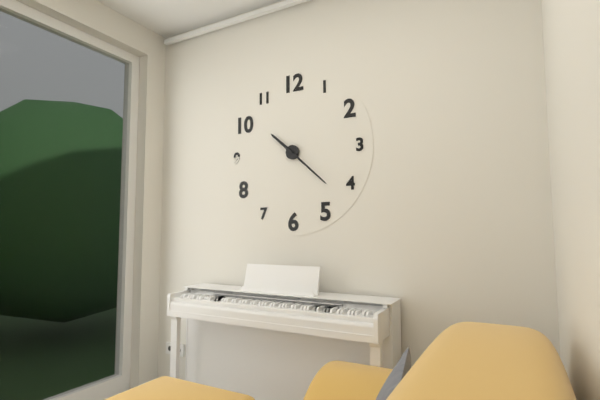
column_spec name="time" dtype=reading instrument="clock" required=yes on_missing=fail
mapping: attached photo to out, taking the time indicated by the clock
10:22
